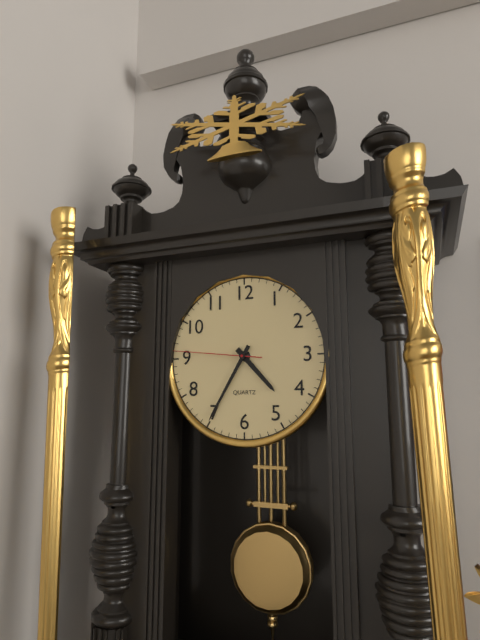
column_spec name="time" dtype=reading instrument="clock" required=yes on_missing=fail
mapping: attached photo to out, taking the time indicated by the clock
4:35:46
